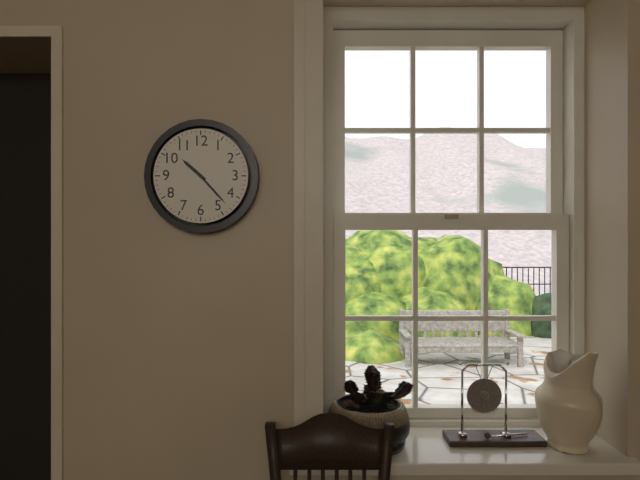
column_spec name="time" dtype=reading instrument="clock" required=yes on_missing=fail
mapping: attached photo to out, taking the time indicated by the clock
10:23
